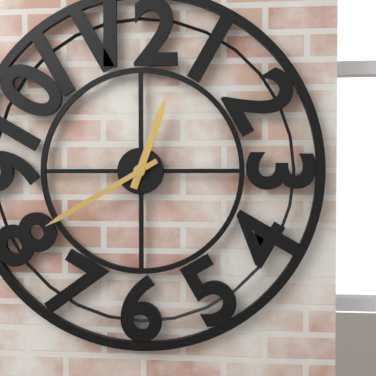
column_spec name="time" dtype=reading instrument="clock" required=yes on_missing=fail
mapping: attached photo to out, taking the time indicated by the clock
12:40
